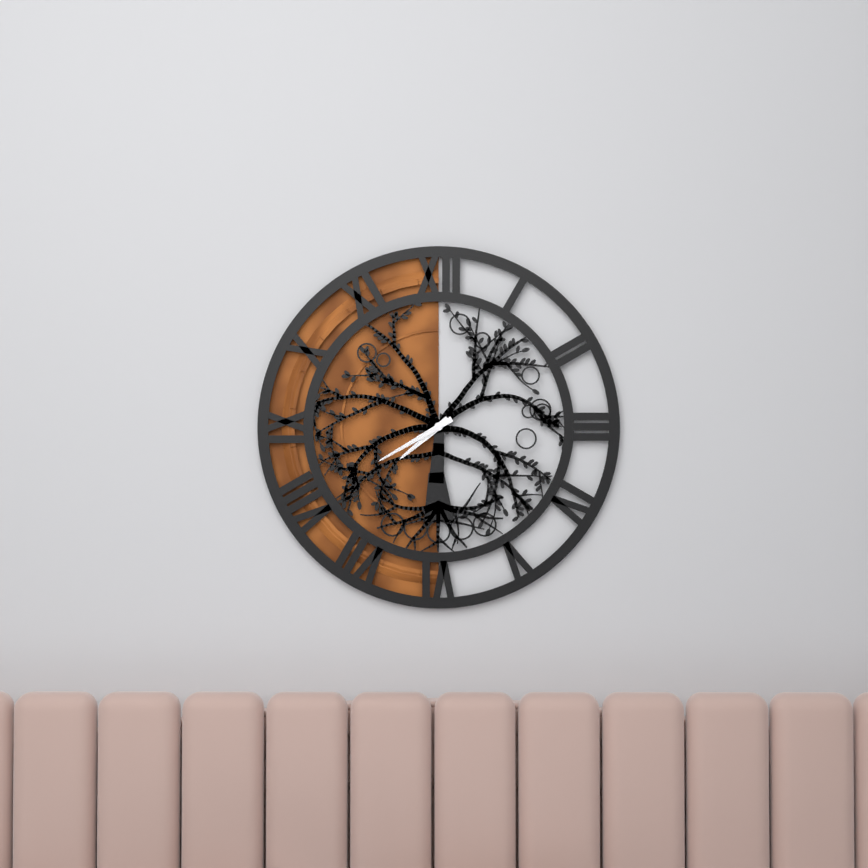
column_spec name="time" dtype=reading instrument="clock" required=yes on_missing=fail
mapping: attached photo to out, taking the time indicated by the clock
7:40
